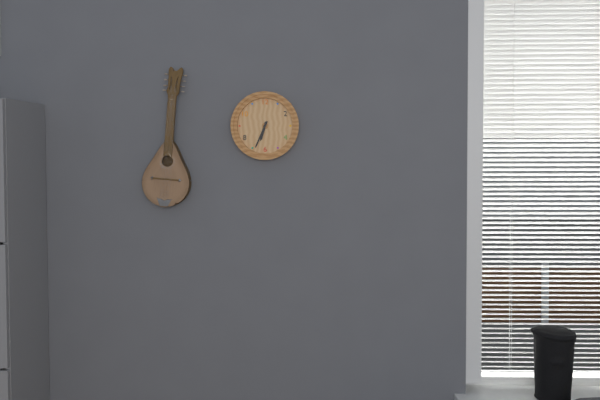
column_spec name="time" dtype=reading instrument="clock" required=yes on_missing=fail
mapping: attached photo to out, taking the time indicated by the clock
6:34
